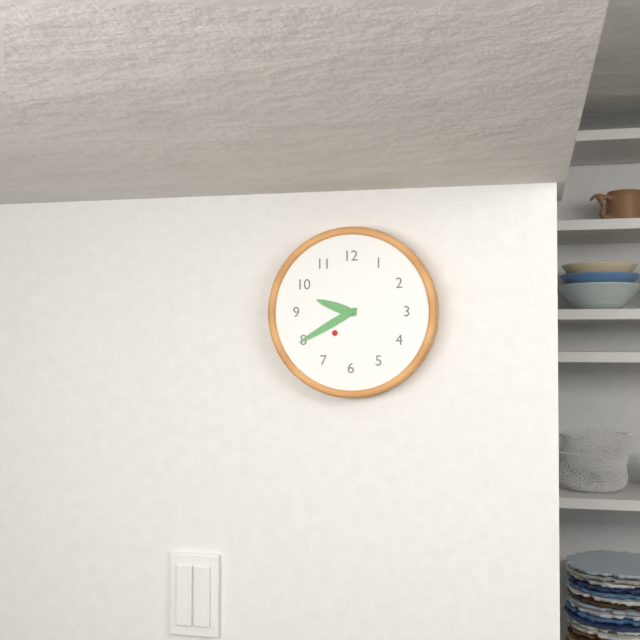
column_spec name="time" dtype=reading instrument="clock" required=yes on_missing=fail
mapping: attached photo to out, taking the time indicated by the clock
9:40
